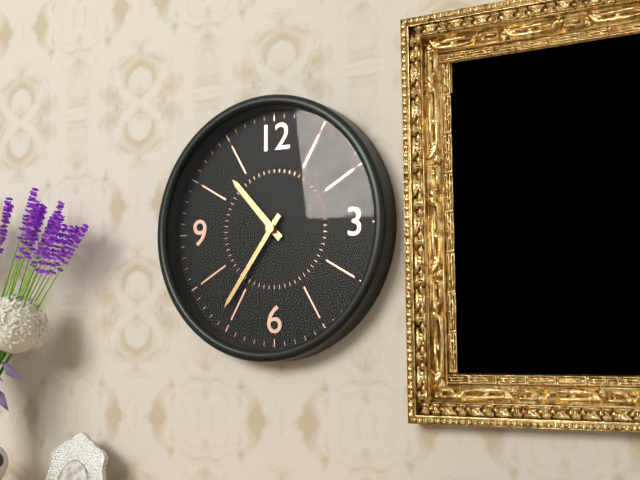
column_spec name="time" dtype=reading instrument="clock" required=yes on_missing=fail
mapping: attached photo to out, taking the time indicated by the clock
10:36
